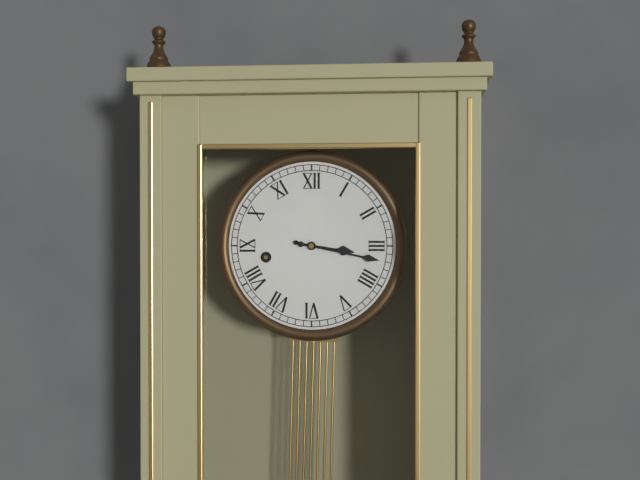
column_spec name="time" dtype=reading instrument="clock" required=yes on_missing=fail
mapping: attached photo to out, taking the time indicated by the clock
3:17
